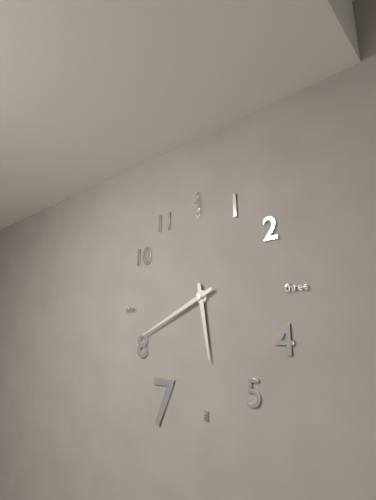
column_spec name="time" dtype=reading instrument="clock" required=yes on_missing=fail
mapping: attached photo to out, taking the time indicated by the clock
5:41
